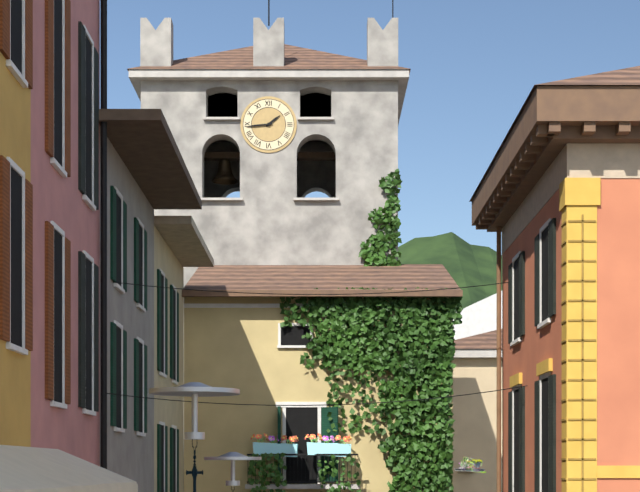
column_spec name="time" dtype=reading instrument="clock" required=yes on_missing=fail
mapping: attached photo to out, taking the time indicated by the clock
1:44
